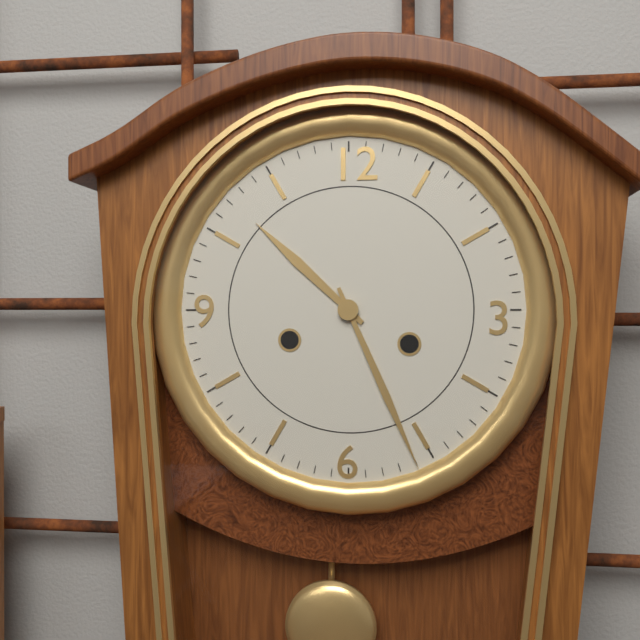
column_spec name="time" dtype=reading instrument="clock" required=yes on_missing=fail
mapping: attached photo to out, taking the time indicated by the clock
10:26
